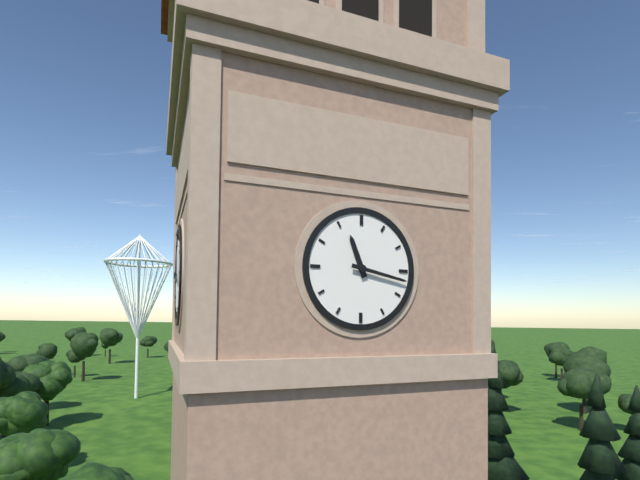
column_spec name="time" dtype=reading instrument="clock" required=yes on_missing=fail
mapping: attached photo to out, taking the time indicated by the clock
11:17
